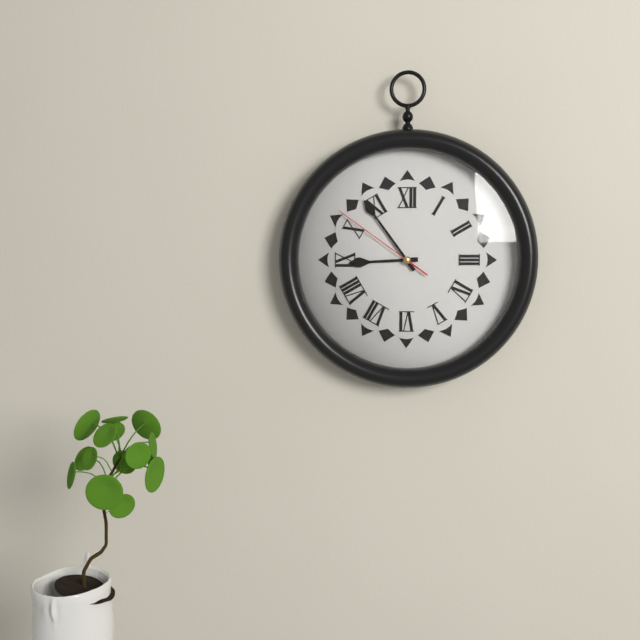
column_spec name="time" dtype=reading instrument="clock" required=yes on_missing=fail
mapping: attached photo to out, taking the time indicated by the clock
8:54:51
